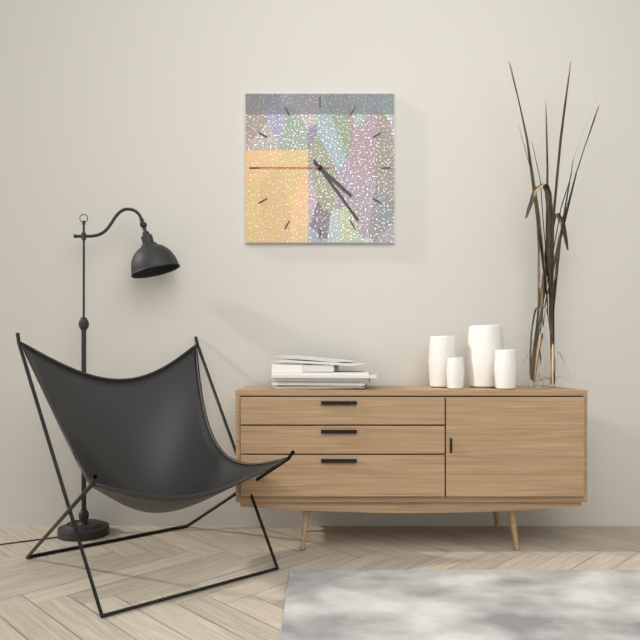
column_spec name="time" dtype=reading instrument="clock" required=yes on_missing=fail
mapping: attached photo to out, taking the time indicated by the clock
4:24:45
